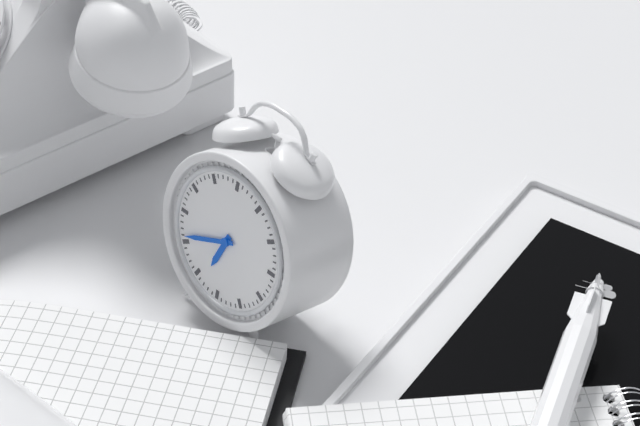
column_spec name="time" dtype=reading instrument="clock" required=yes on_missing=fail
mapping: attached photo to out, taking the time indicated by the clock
6:41
